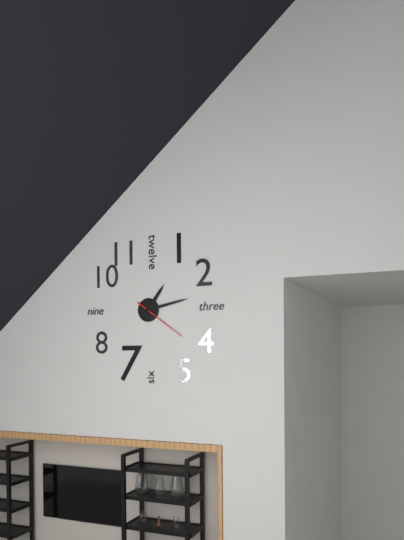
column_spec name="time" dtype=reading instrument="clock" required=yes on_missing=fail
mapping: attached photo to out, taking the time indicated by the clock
1:13:21
